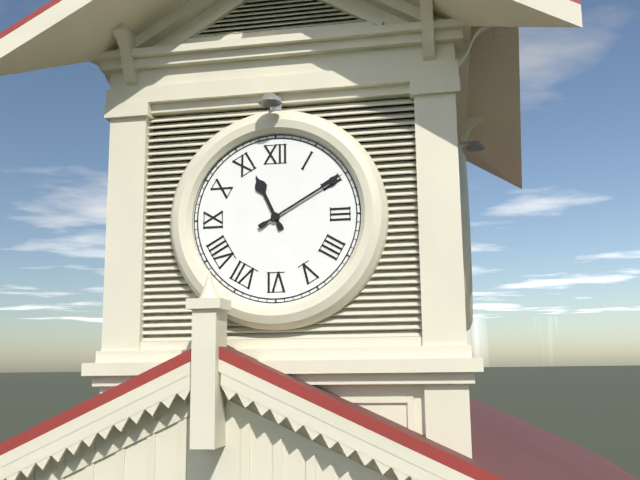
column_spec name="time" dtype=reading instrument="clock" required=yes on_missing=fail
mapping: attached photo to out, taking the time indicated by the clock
11:10
